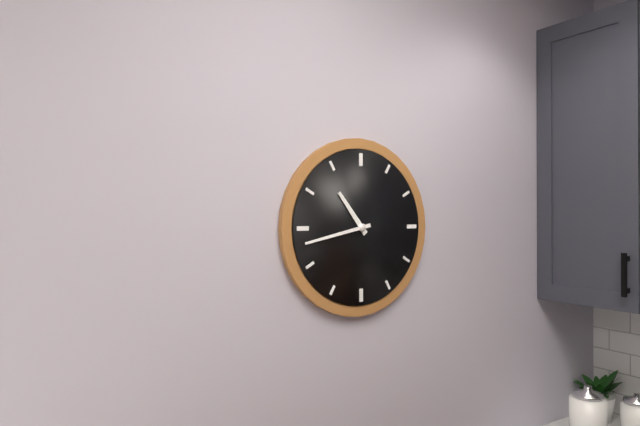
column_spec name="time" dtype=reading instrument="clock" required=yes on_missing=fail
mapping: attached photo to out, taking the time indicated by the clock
10:43
